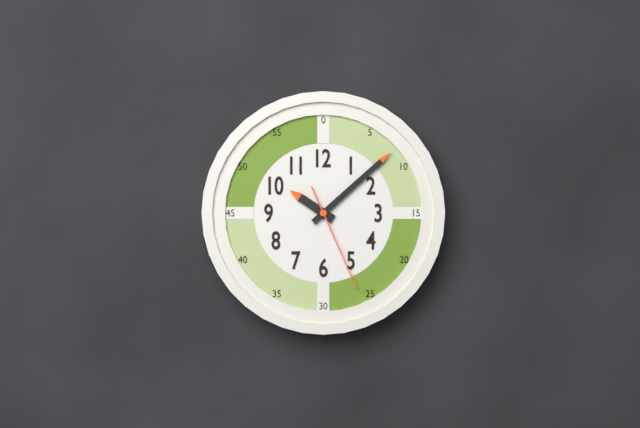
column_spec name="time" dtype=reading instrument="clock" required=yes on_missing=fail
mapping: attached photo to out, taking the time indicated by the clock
10:08:26
